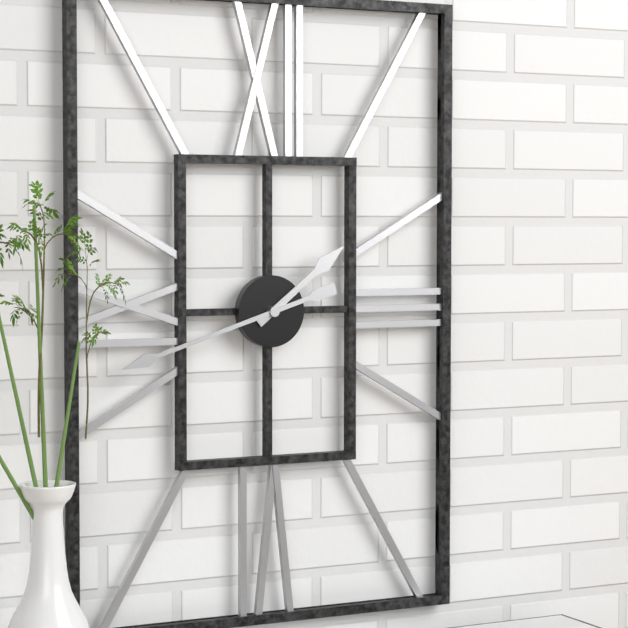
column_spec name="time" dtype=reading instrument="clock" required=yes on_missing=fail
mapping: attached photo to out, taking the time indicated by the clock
1:42
